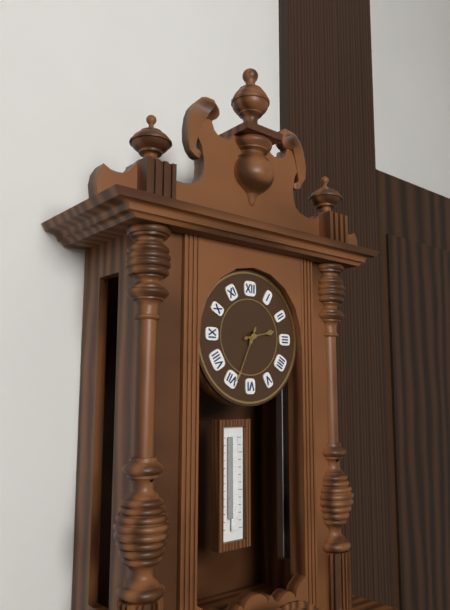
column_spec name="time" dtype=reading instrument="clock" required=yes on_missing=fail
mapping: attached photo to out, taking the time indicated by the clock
2:34
